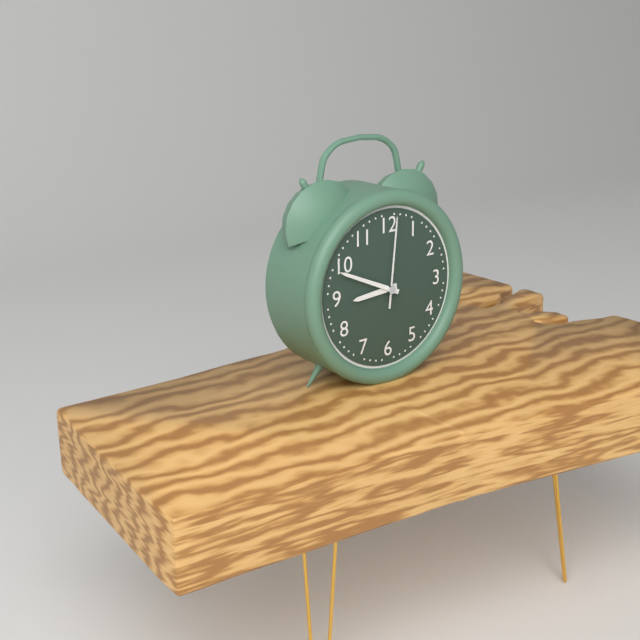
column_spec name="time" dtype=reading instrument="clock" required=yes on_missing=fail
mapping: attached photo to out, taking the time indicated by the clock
8:49:01
